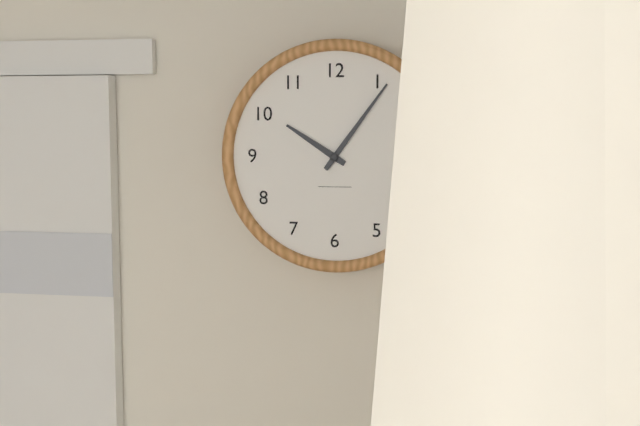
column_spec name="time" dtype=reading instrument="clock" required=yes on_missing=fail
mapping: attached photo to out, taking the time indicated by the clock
10:06
